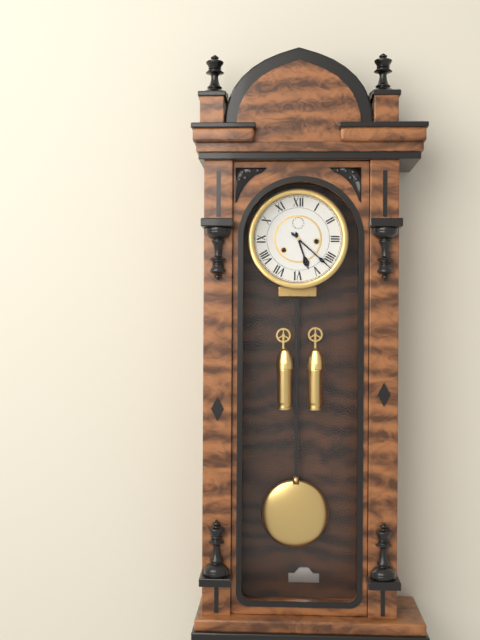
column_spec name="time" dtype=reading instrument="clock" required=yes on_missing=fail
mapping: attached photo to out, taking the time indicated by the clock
5:22
